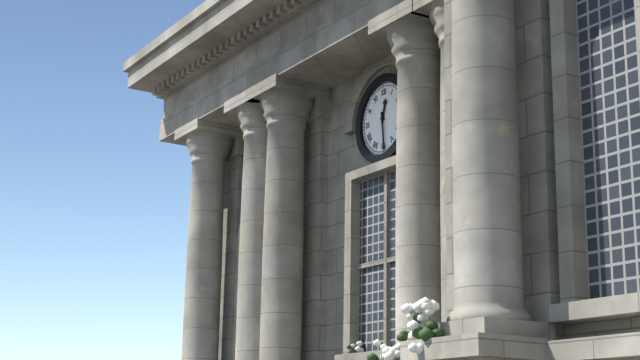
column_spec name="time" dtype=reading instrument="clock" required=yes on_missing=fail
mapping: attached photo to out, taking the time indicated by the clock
12:29
